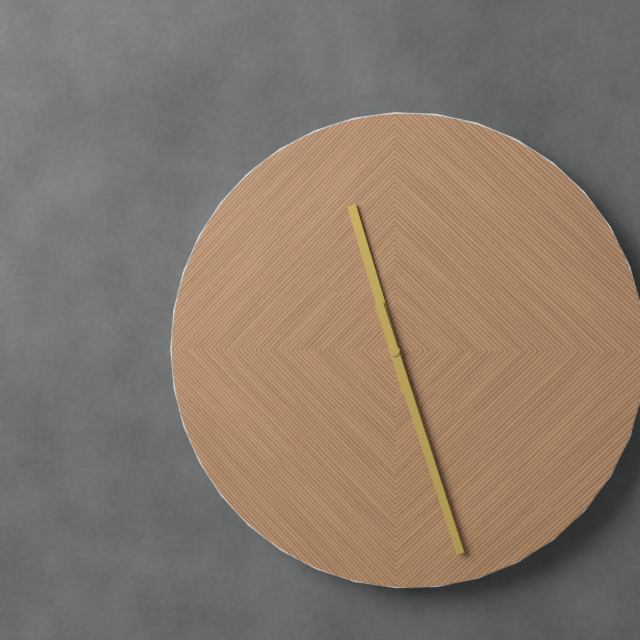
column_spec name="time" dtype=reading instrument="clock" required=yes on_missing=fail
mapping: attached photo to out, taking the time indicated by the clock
11:27
